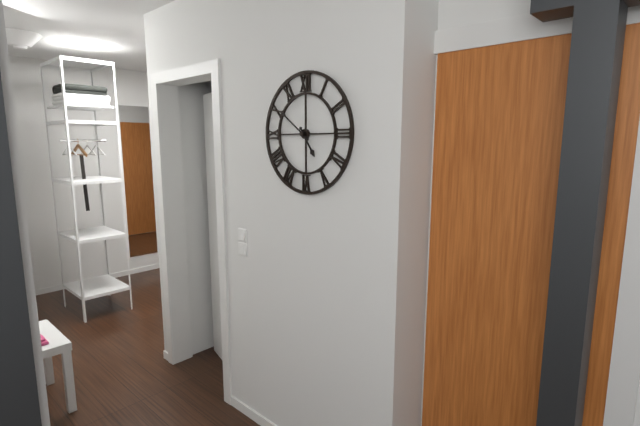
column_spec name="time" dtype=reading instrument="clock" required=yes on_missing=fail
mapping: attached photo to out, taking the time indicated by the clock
4:51
